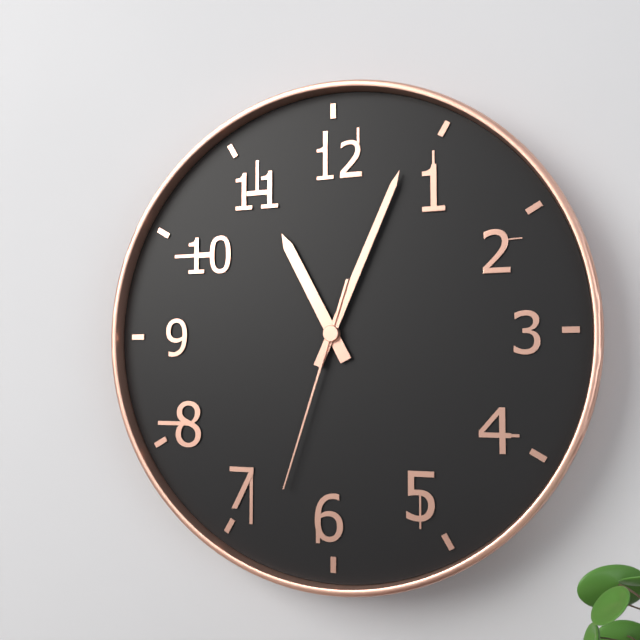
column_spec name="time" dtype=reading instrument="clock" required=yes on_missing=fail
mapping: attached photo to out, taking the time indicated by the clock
11:04:33
